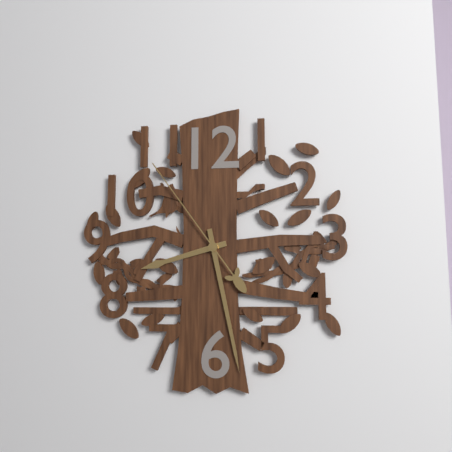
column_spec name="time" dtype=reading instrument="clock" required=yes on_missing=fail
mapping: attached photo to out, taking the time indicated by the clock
8:28:54
